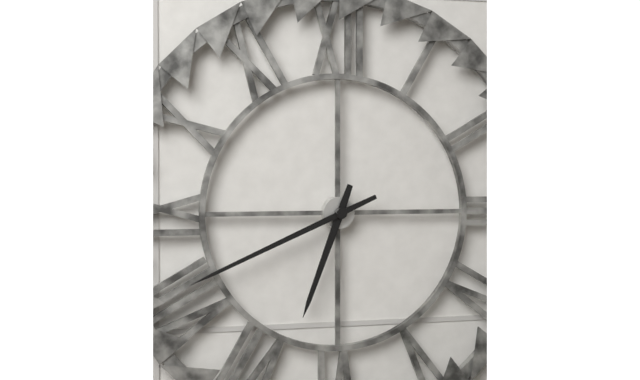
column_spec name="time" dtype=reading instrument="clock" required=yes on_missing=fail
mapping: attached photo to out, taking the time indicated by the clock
6:41
